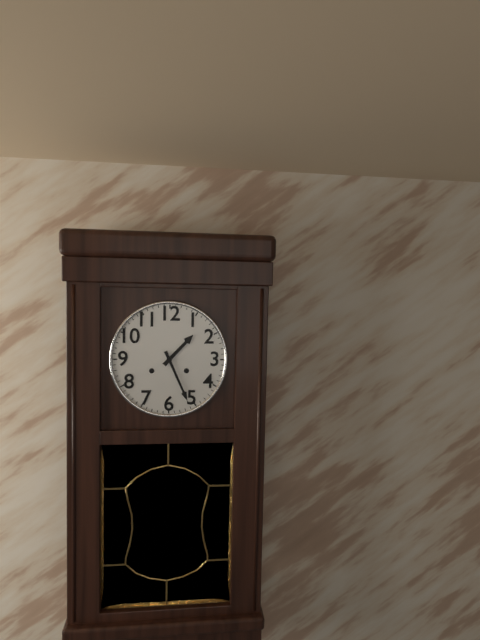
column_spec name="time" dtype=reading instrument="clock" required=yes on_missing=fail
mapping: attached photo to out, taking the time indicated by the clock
1:26
